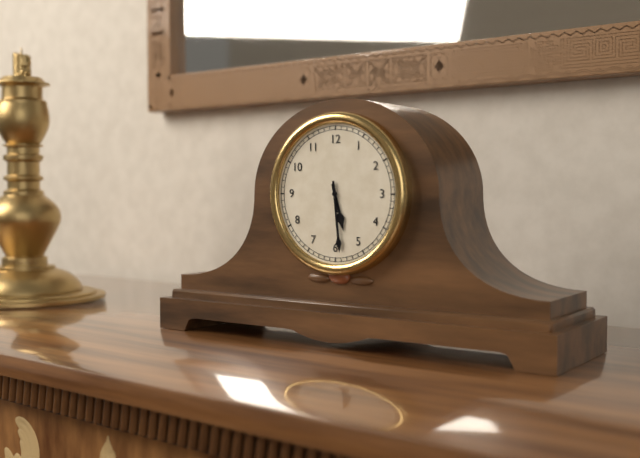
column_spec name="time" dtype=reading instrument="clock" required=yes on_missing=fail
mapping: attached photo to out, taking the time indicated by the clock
5:29
